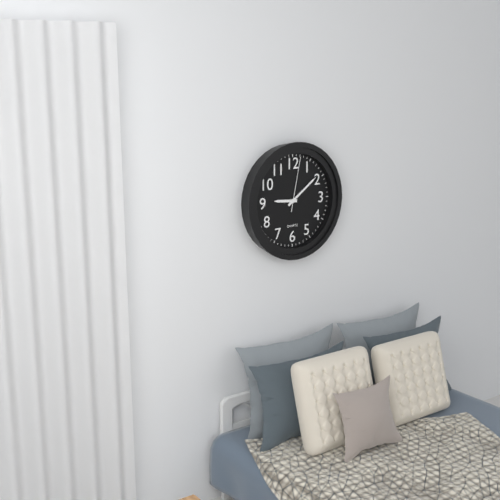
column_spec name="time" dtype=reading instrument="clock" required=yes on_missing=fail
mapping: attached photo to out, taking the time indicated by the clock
9:09:02
